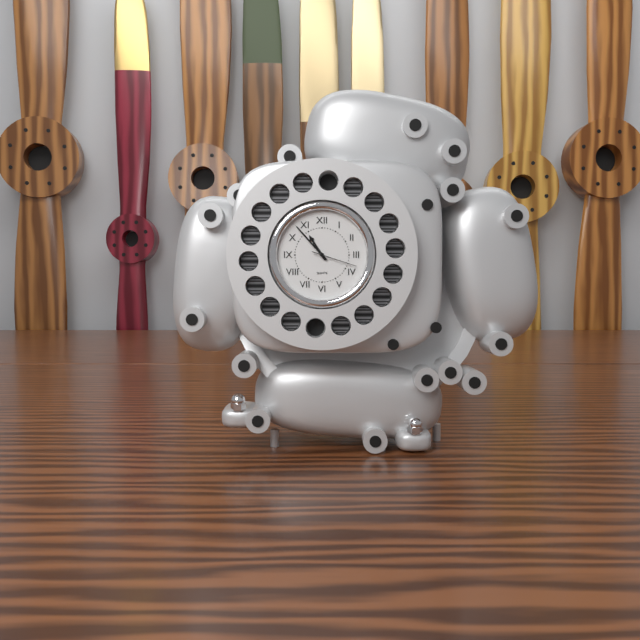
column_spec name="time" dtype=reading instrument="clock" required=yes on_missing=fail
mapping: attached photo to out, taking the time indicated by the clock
10:53
